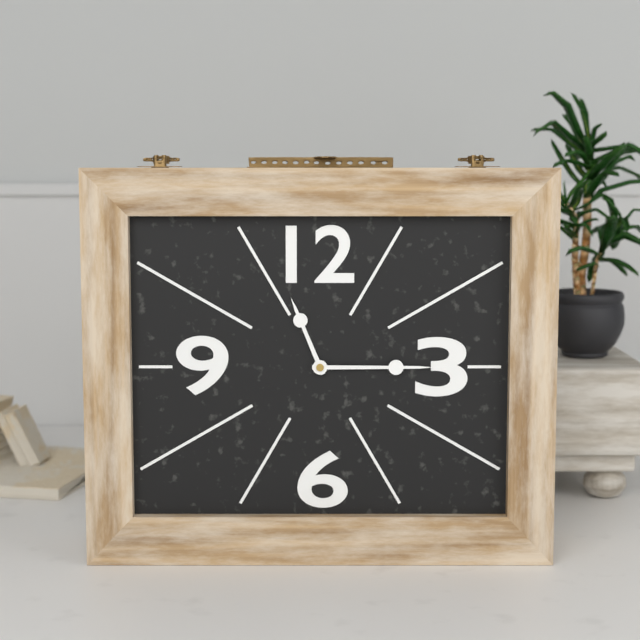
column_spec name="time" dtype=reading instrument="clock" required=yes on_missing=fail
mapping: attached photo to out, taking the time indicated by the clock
11:15
